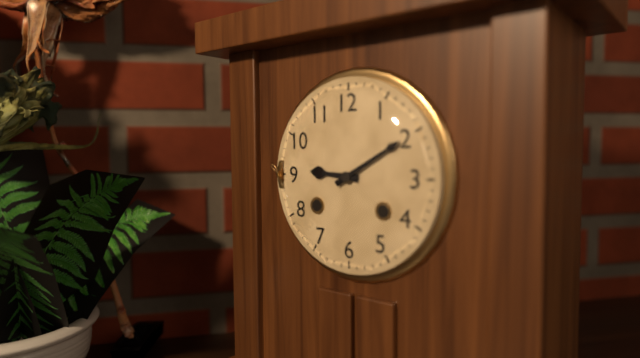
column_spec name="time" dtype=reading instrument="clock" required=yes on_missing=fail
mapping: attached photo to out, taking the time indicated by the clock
9:10
